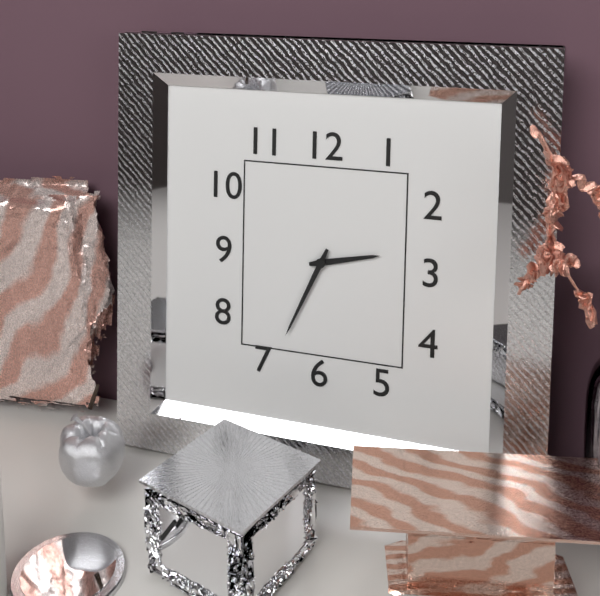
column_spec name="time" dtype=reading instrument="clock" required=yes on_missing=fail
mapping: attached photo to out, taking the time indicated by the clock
2:34
